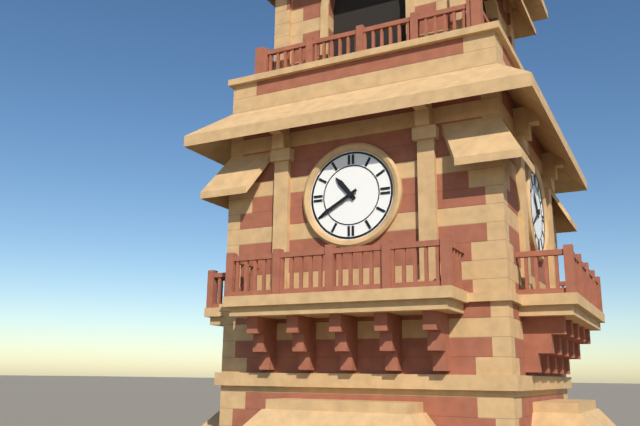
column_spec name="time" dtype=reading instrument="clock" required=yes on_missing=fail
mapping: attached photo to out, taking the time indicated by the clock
10:40
